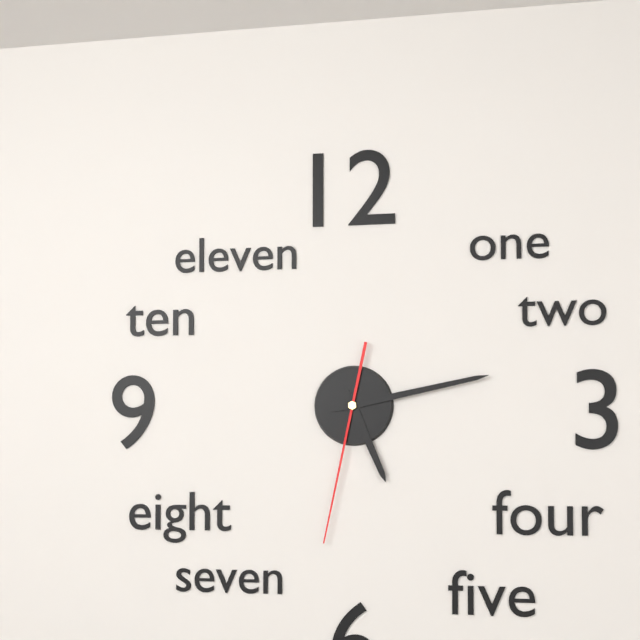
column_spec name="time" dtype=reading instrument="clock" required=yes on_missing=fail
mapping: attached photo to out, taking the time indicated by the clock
5:13:32
